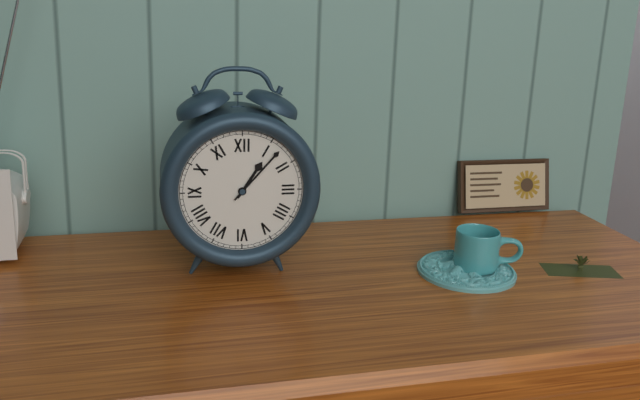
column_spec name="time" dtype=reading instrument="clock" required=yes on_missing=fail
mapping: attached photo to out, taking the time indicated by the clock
1:07
